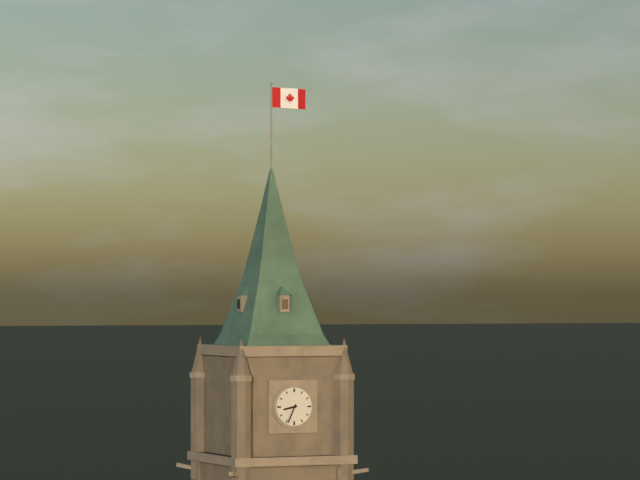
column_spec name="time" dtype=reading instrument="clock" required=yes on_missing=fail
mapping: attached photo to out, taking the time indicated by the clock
8:34
